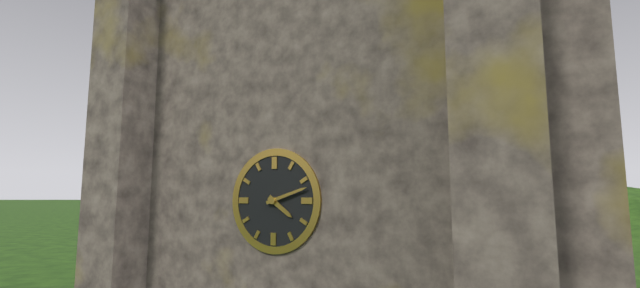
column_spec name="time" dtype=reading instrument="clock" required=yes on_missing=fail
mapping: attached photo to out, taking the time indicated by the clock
4:12
